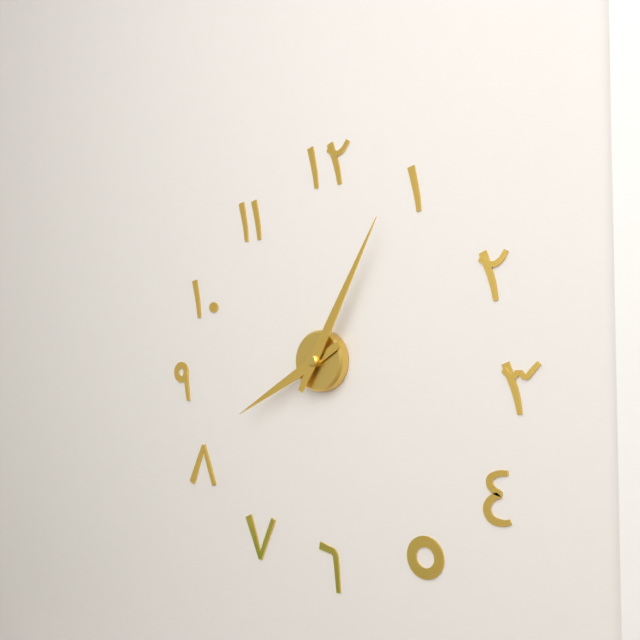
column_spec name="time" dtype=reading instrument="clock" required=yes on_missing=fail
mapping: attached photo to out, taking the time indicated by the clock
8:05
